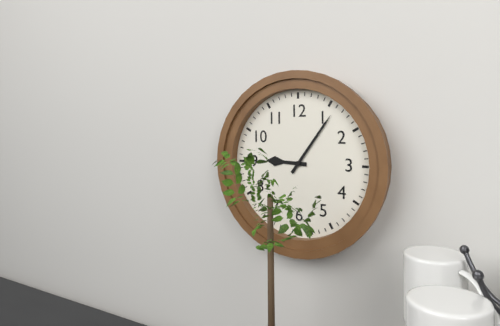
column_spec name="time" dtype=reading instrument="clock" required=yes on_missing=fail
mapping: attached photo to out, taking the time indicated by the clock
9:06
